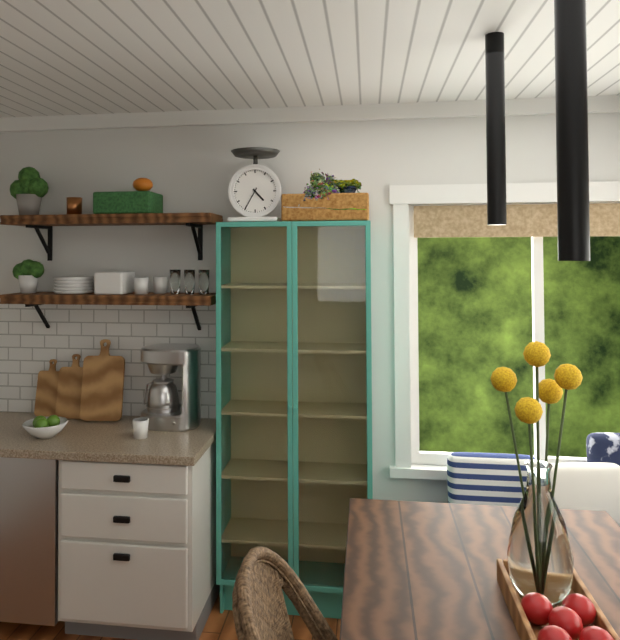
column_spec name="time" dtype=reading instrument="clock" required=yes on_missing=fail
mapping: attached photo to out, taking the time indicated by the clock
4:35
